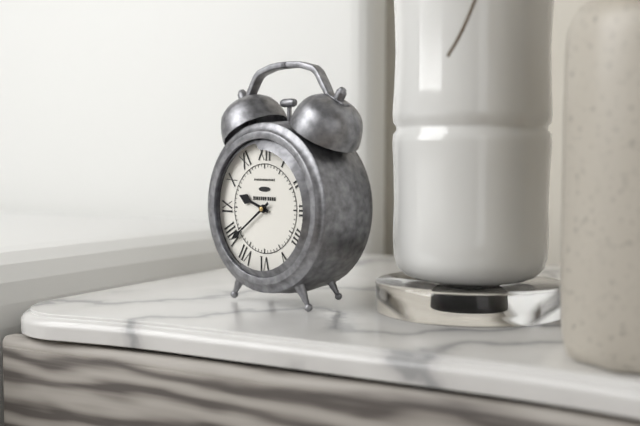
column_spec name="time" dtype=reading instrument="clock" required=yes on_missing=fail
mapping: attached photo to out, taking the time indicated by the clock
9:39
